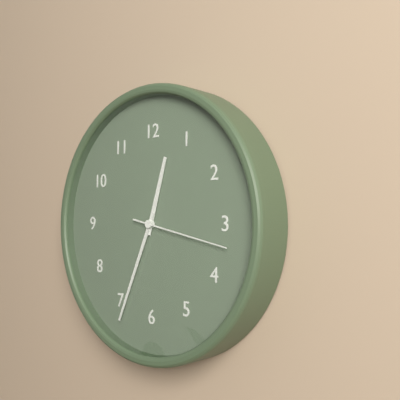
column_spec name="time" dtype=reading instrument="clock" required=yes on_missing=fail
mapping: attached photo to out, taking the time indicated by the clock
12:34:17
